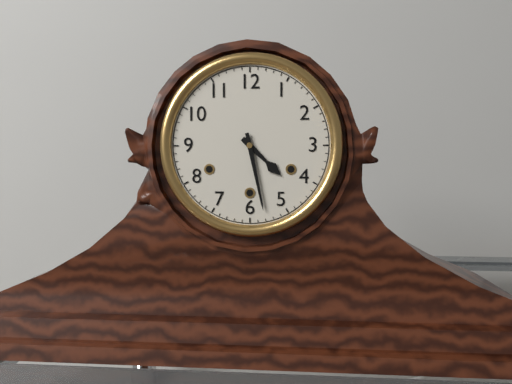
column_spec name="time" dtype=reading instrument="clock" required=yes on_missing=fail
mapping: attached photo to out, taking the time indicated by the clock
4:28
